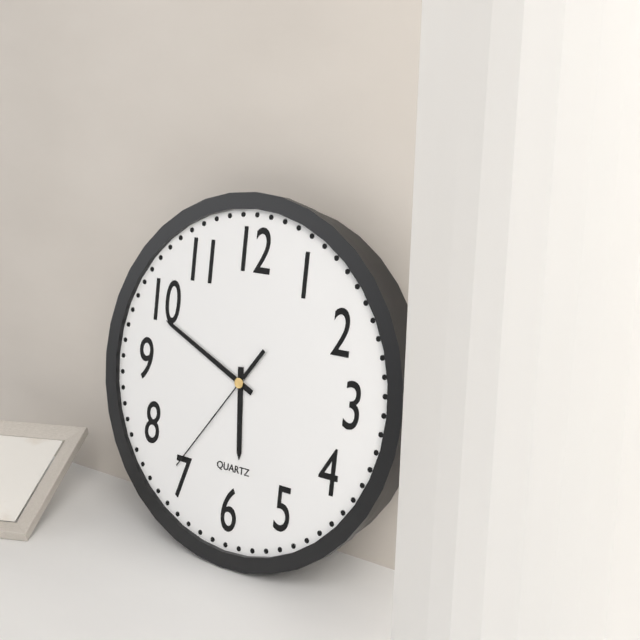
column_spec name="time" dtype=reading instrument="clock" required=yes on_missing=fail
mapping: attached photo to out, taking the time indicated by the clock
5:49:36
